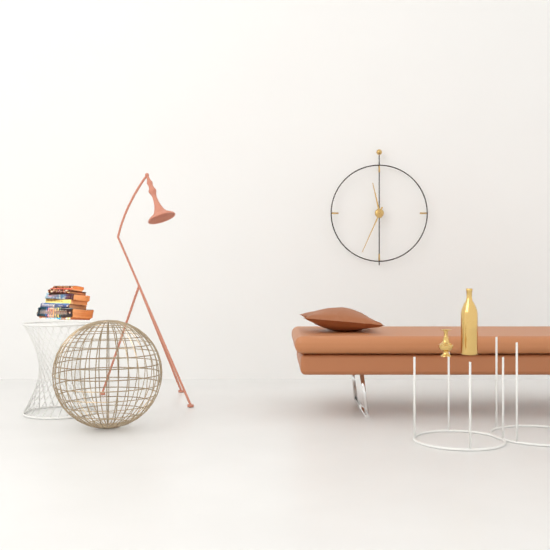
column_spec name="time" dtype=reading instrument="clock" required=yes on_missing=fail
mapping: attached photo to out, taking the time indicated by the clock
11:34
